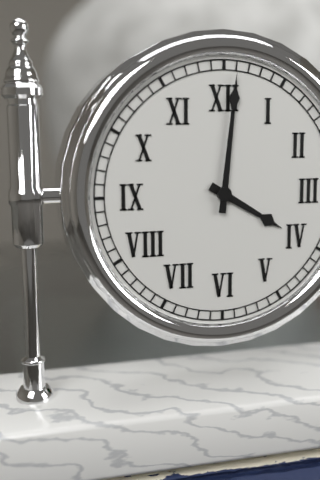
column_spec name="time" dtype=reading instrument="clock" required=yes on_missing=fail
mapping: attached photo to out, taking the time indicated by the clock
4:01
